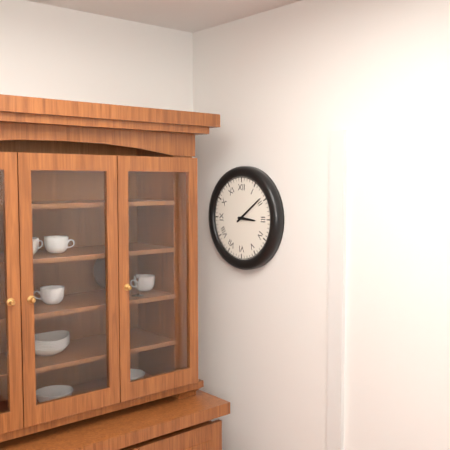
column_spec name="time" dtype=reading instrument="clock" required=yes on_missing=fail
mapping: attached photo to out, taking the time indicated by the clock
3:09
